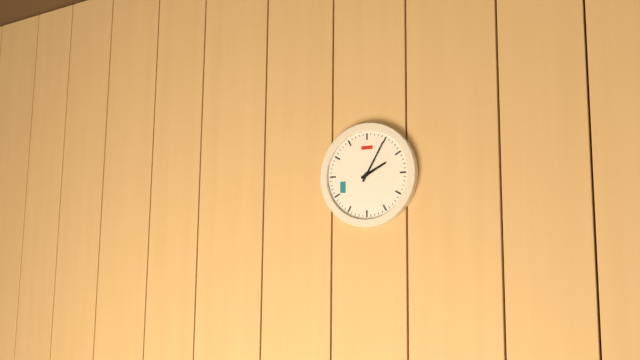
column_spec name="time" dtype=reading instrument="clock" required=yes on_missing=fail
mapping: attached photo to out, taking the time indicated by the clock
2:05
